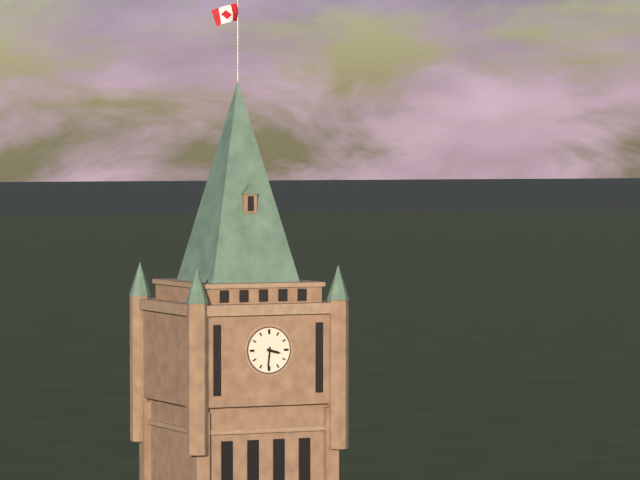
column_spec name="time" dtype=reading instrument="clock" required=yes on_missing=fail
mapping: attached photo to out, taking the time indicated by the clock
3:31
